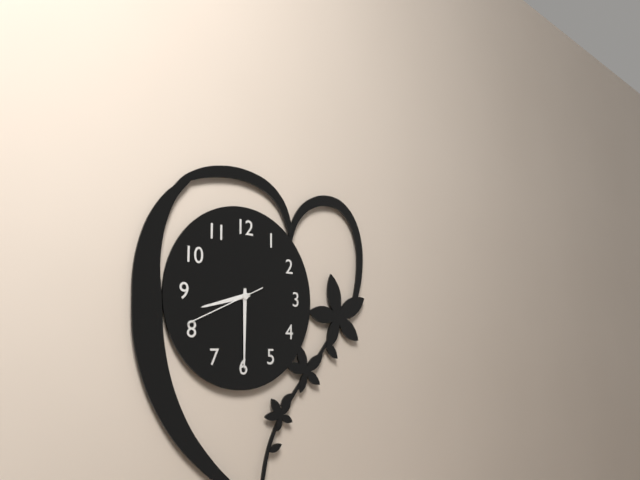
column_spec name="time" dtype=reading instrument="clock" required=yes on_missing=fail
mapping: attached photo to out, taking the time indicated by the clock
8:30:41
